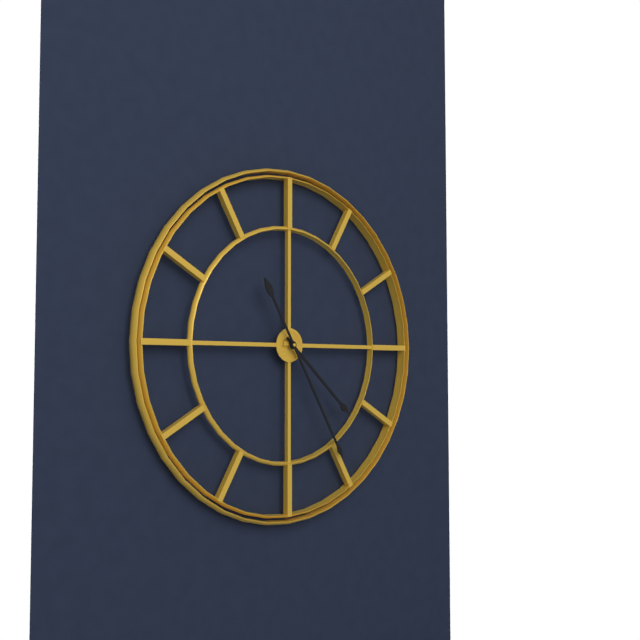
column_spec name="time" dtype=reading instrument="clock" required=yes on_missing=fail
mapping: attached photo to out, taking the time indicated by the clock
4:25
